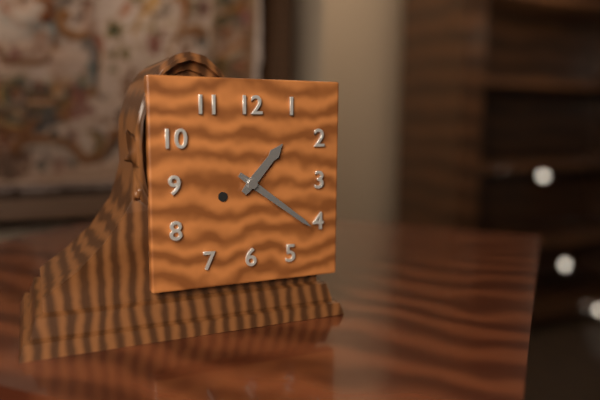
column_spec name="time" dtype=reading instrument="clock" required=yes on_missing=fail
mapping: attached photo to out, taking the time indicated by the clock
1:21
